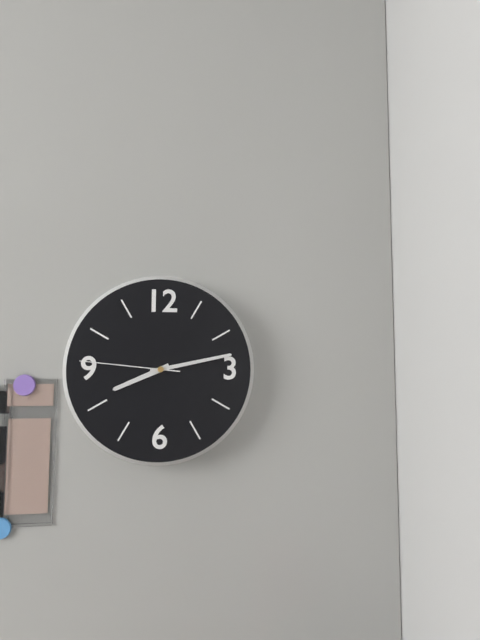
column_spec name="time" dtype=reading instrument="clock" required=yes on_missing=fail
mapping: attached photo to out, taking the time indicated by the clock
8:13:46
